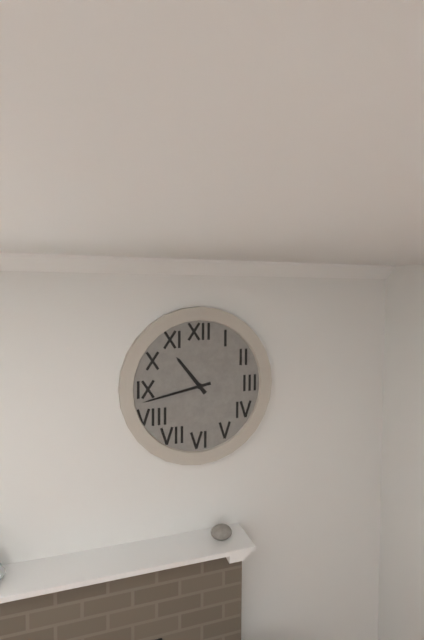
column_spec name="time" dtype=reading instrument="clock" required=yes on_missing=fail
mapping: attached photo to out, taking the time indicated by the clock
10:43
